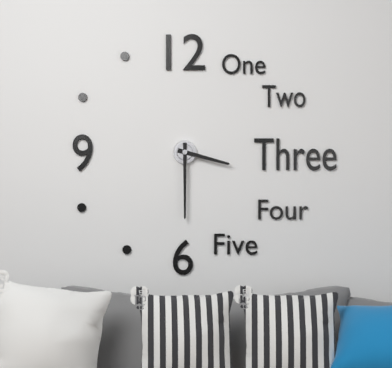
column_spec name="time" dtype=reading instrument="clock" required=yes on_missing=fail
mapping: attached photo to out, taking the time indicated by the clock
3:30
